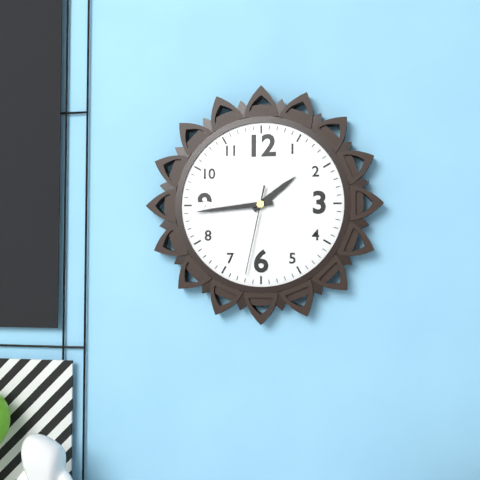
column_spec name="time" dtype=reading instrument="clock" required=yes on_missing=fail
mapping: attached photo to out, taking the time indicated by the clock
1:44:32
